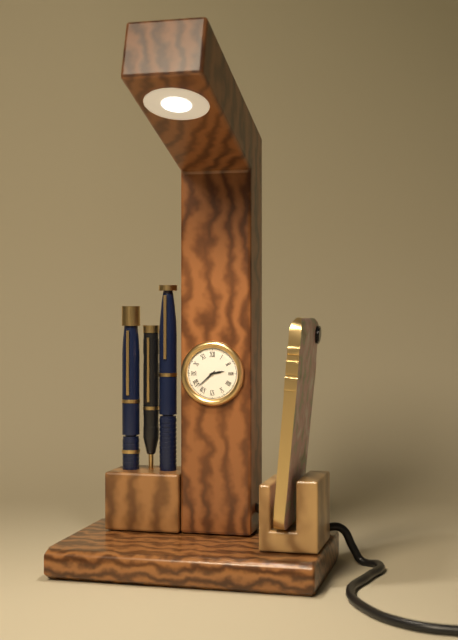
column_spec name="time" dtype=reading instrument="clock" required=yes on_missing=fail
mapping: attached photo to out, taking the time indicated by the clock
2:38
